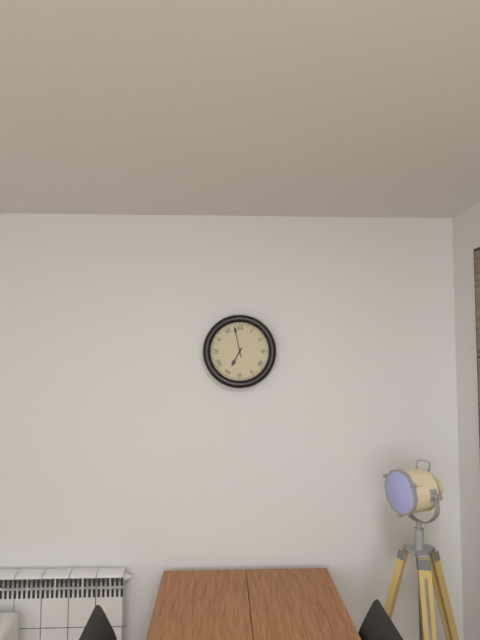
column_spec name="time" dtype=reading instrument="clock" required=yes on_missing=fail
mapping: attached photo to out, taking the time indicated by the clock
6:58
